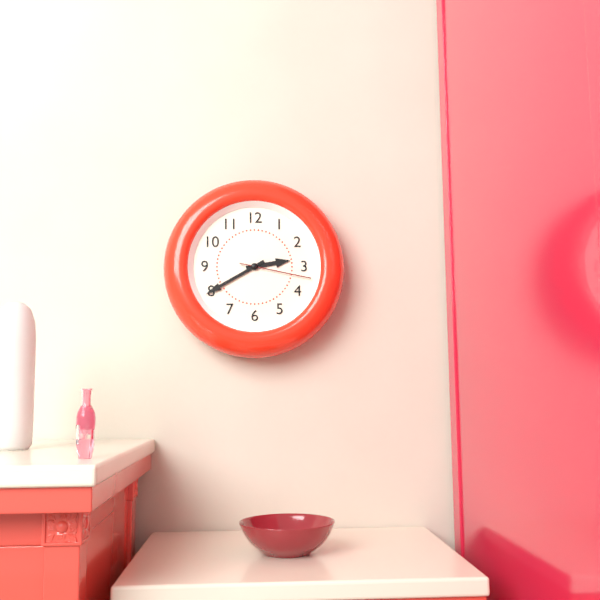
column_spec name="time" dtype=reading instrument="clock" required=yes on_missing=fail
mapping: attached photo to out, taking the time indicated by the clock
2:40:17
